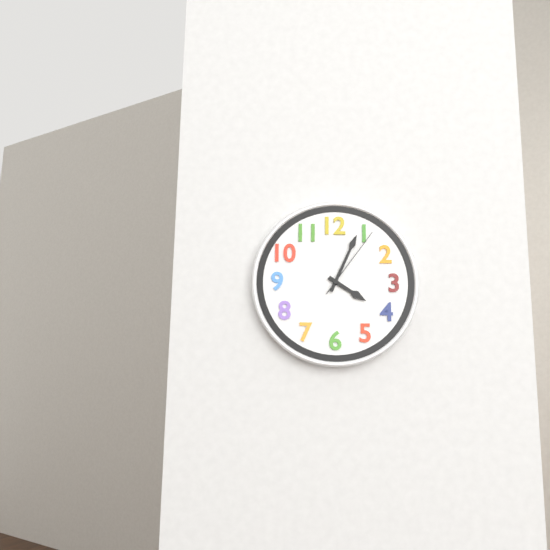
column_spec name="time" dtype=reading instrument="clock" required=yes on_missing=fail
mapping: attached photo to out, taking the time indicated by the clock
4:04:06
